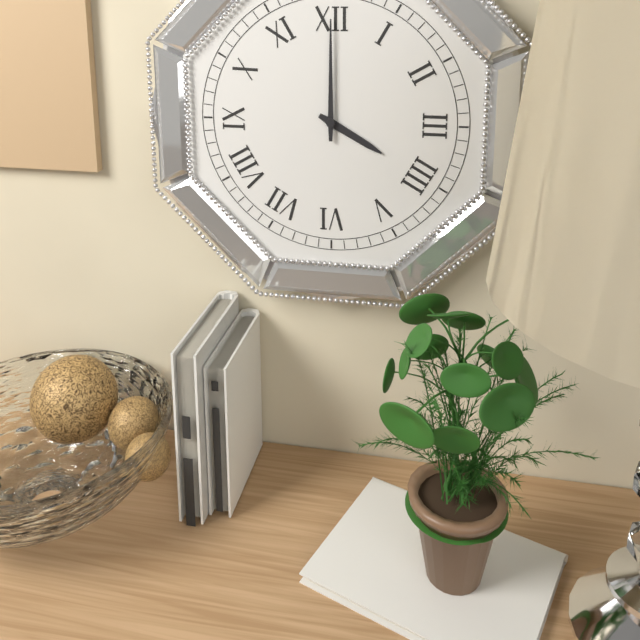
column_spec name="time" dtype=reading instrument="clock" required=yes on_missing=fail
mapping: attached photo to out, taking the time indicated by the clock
4:00
